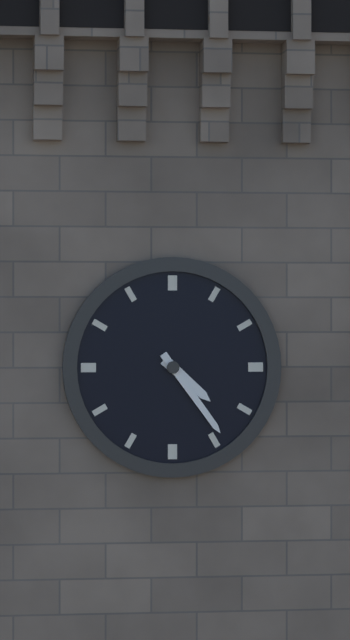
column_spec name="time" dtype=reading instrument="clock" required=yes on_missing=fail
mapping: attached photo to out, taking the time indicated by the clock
4:24
